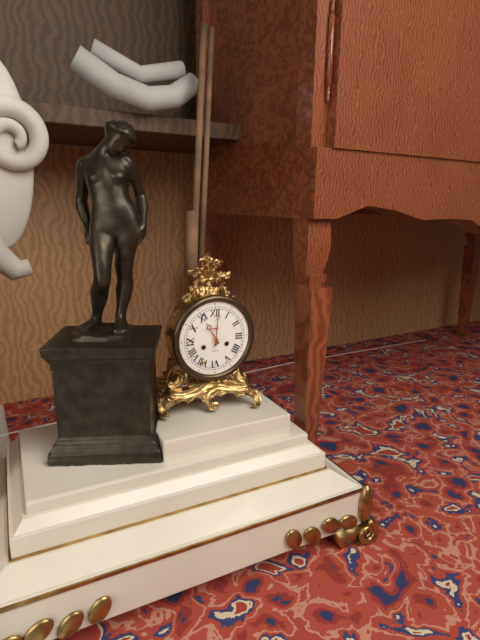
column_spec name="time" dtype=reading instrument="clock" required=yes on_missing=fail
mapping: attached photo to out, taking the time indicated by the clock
11:01
